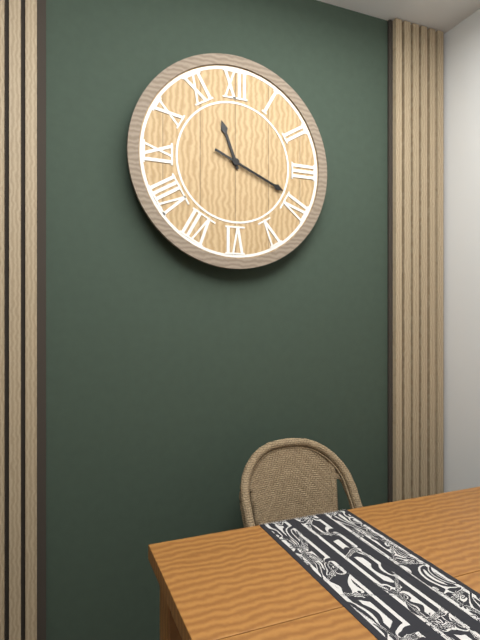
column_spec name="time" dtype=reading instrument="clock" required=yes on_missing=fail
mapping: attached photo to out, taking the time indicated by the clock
11:19
